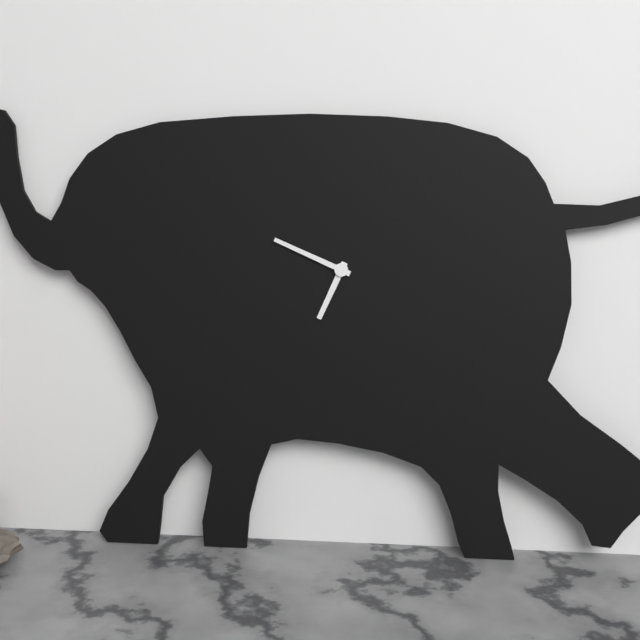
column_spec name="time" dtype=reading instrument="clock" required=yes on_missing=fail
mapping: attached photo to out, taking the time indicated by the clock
6:49
